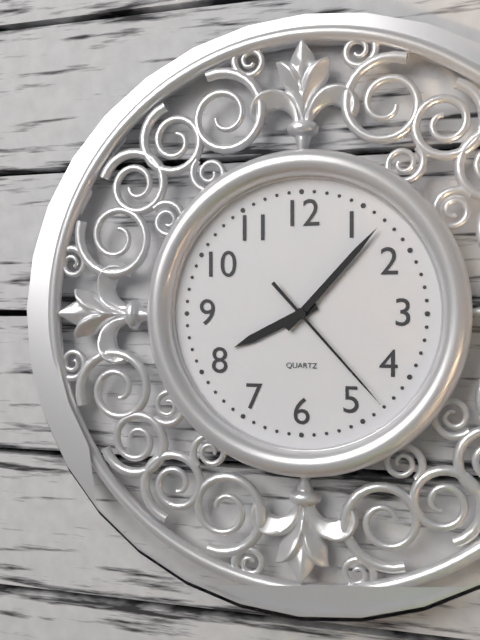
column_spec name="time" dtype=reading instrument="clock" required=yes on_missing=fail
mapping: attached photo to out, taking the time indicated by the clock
8:07:23
